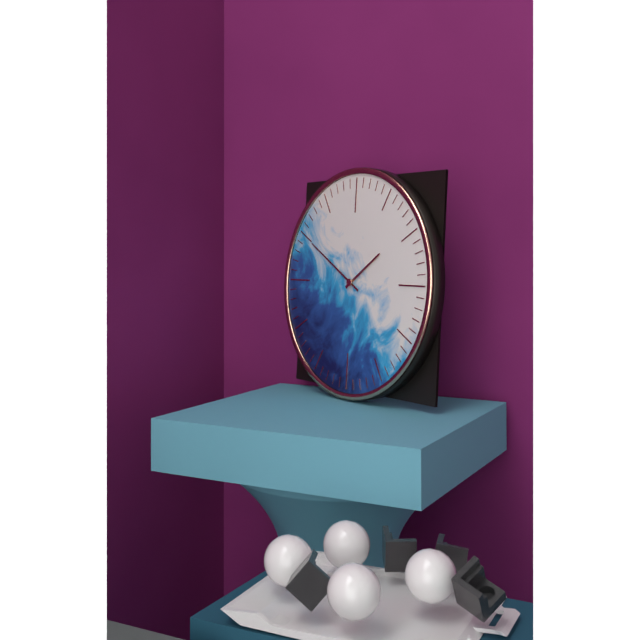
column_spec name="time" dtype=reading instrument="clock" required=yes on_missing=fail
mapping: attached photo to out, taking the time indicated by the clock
1:50
